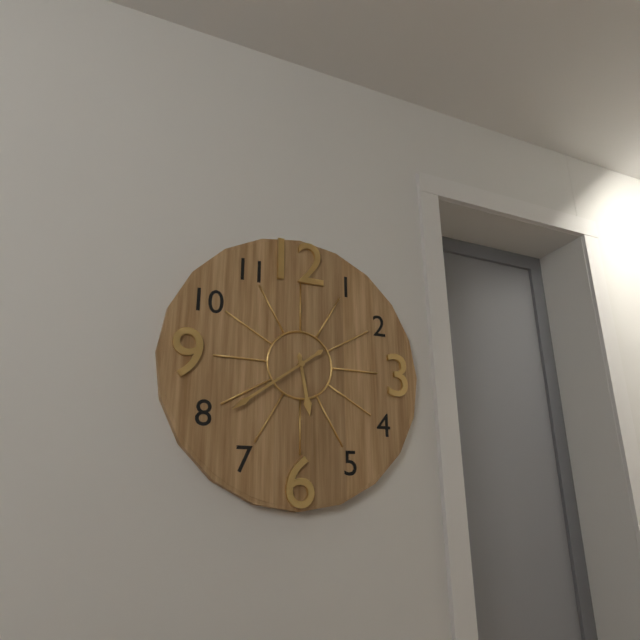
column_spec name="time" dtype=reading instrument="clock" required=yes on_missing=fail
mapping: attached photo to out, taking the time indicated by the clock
5:39
